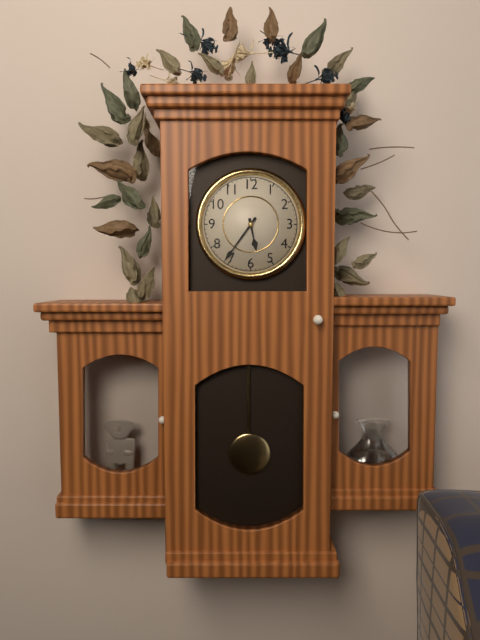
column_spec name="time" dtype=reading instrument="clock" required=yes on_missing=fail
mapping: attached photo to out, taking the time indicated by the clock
5:36
